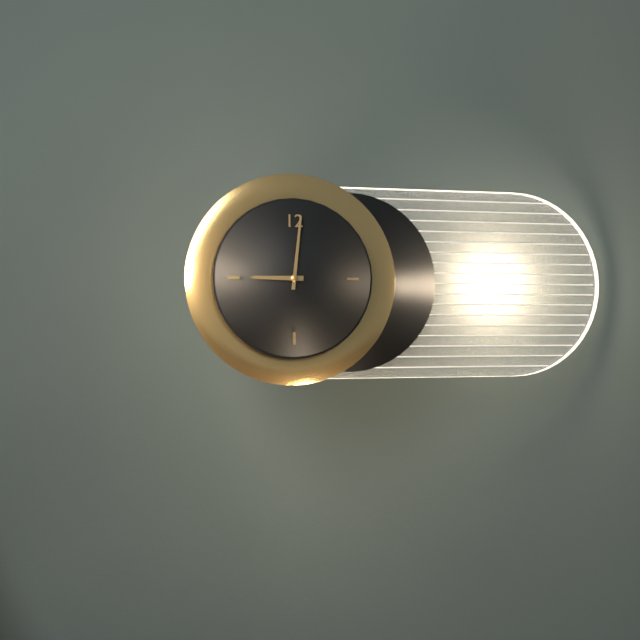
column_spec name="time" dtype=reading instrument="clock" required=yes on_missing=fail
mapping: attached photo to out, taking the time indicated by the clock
9:01
